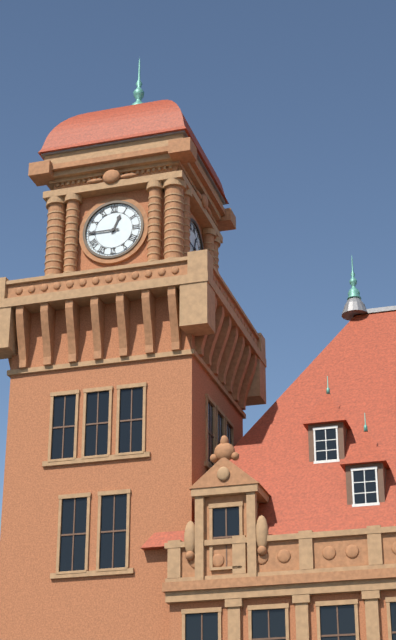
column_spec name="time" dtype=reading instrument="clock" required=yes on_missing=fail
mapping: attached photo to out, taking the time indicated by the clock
12:45
